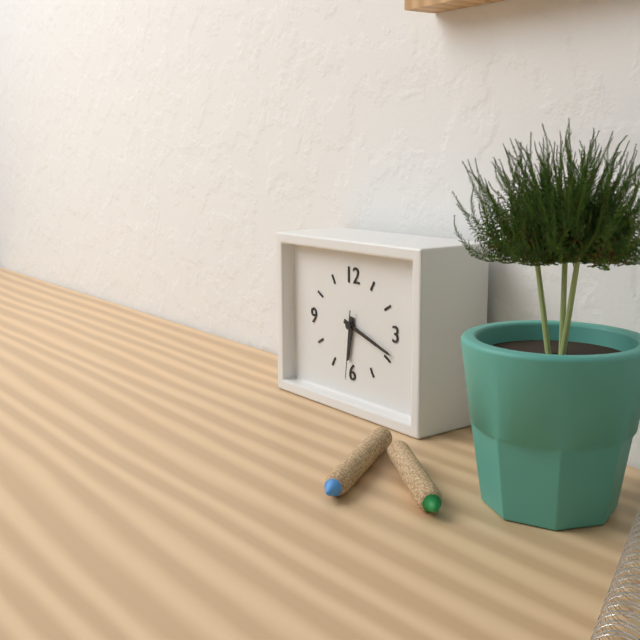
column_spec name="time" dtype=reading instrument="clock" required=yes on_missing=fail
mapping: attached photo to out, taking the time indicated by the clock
6:18:31
